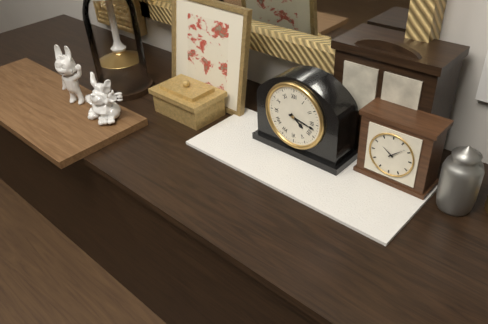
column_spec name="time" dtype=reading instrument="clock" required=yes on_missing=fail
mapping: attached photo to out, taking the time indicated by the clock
4:17
